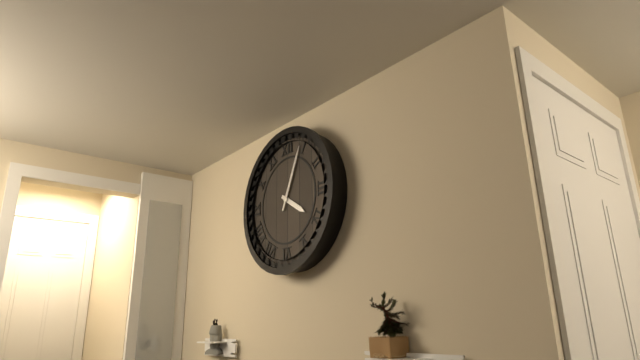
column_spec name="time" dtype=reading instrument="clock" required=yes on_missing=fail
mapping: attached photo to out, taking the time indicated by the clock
4:04
